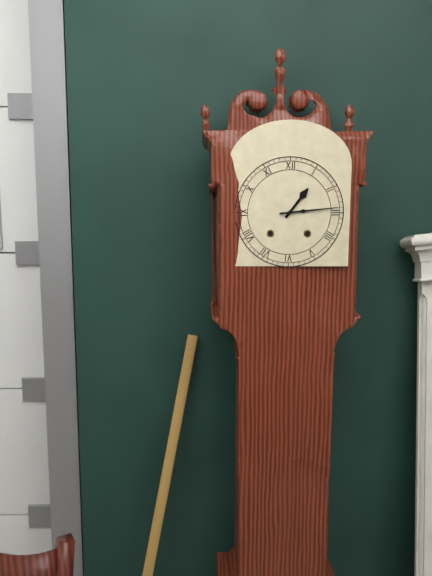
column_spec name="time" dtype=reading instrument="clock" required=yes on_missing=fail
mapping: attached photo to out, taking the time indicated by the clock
1:14
